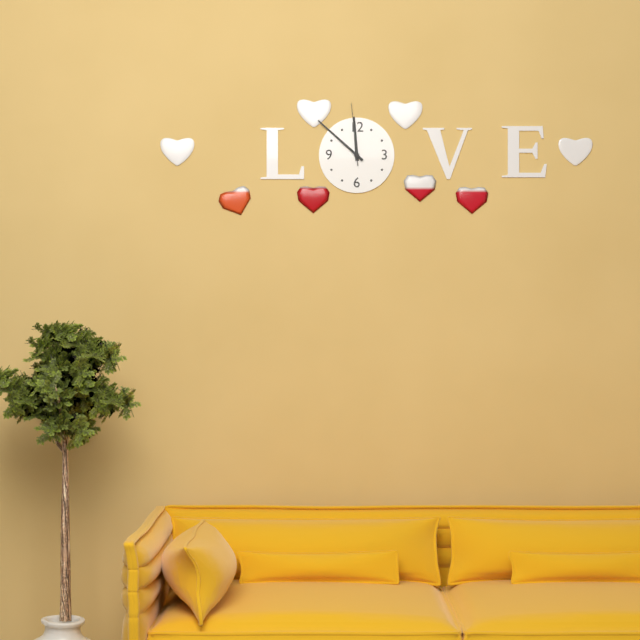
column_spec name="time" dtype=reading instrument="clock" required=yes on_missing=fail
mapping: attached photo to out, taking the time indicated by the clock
11:52:59
